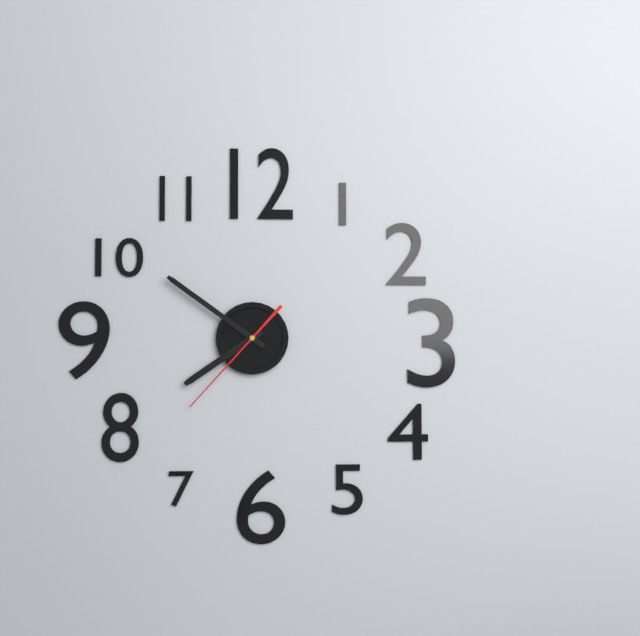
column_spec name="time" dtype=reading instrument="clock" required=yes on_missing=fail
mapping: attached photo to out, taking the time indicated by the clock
7:51:37
